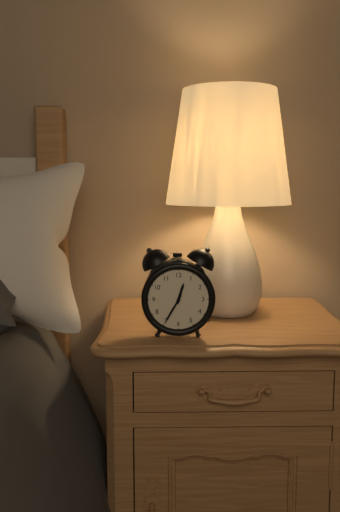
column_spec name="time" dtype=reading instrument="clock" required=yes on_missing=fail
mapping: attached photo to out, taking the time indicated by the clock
12:35
